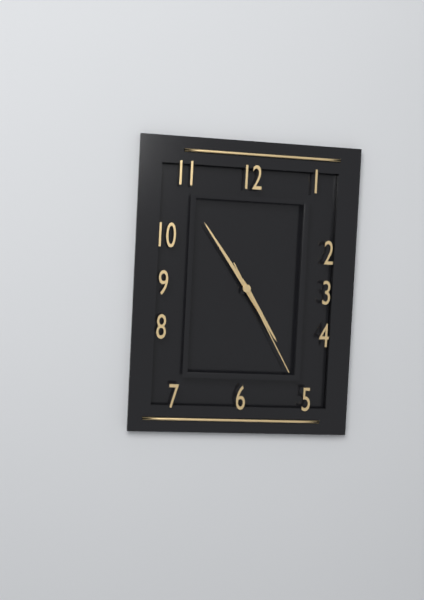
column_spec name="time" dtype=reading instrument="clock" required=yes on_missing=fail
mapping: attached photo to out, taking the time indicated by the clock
4:54:25
